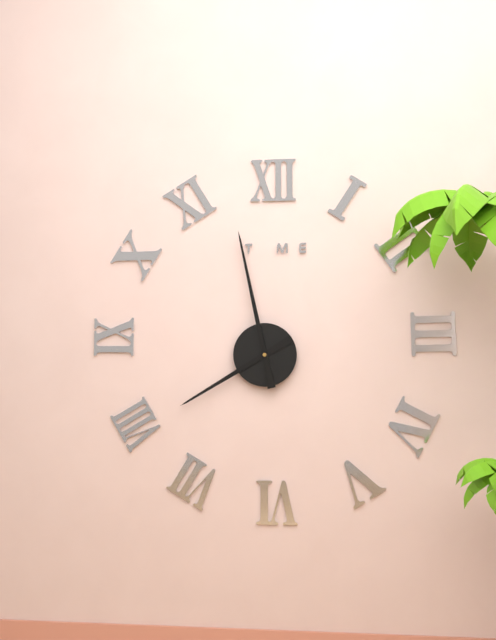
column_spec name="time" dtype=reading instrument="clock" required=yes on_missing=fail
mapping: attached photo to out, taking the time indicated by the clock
7:58
